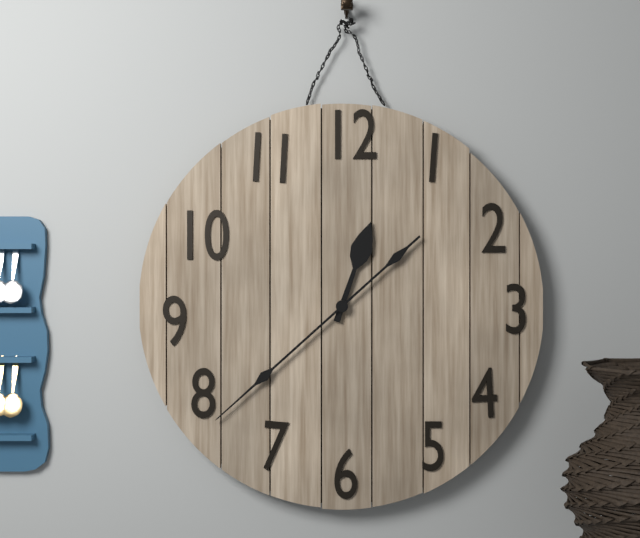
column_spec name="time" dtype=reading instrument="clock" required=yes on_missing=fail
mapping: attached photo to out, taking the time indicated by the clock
12:38
